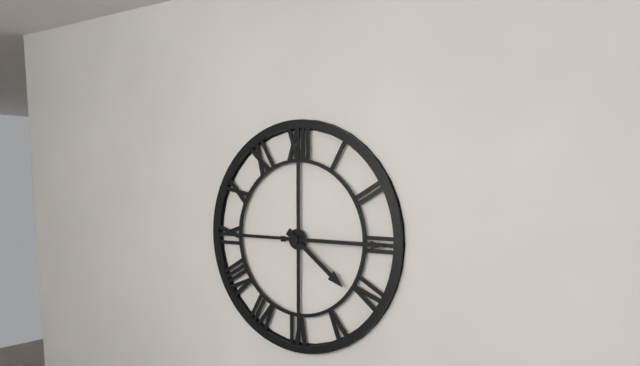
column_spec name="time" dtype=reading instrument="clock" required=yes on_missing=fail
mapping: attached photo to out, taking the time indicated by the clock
4:15
